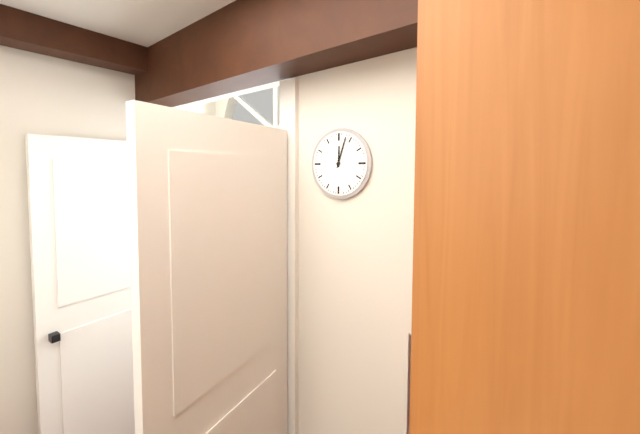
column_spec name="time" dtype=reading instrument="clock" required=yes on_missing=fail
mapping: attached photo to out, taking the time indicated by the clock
12:03
